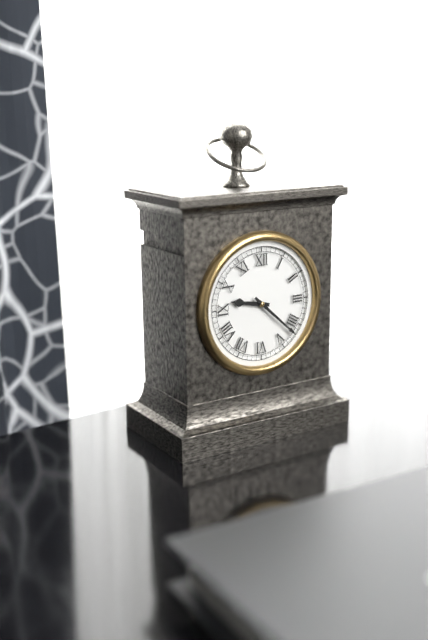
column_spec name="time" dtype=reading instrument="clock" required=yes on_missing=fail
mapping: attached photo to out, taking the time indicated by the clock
9:22
